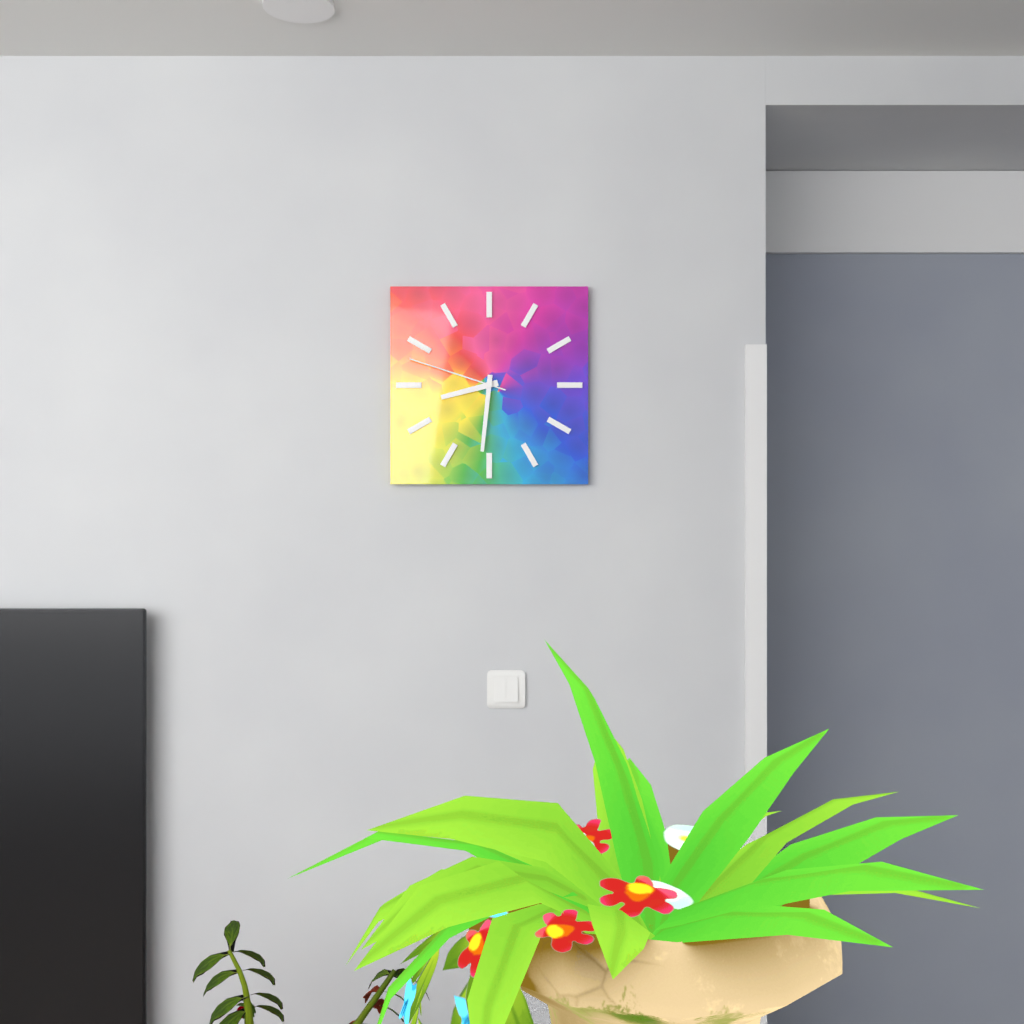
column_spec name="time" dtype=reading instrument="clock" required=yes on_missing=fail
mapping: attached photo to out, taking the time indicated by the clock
8:31:48
